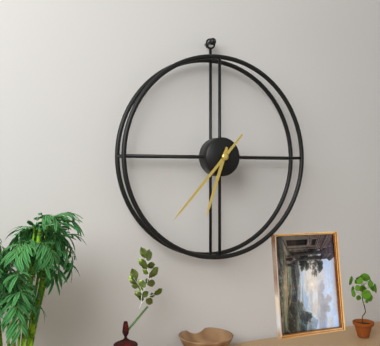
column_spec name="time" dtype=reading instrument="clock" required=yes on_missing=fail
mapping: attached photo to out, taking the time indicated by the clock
6:37
